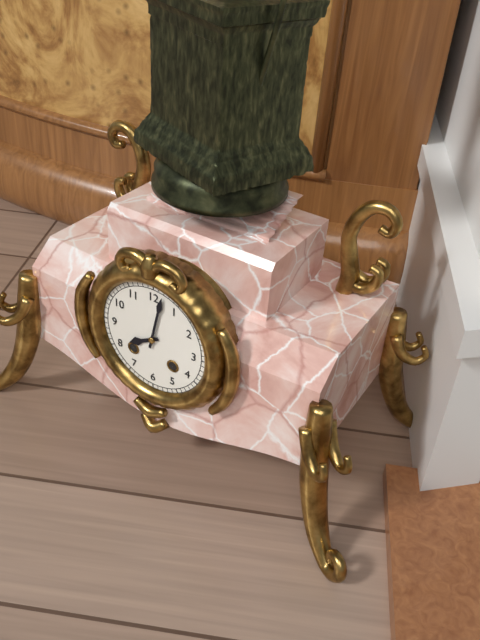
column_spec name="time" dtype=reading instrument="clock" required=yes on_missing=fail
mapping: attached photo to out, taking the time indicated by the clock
8:02
